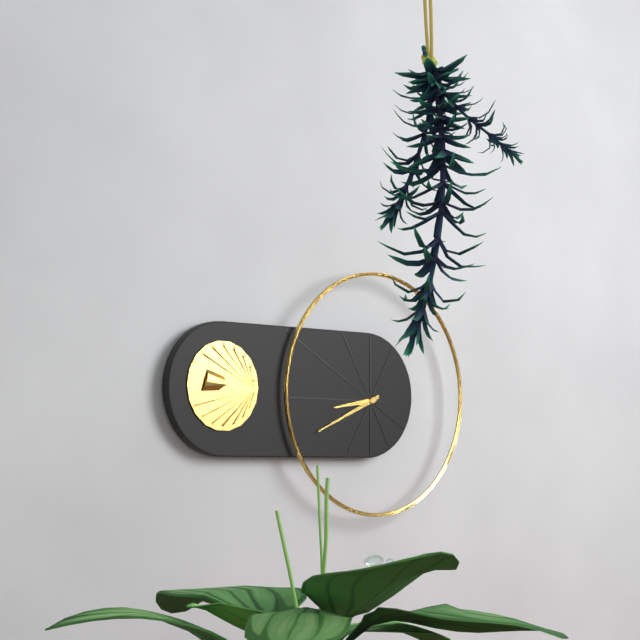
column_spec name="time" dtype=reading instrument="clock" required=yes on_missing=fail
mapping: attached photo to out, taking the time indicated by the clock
8:41
